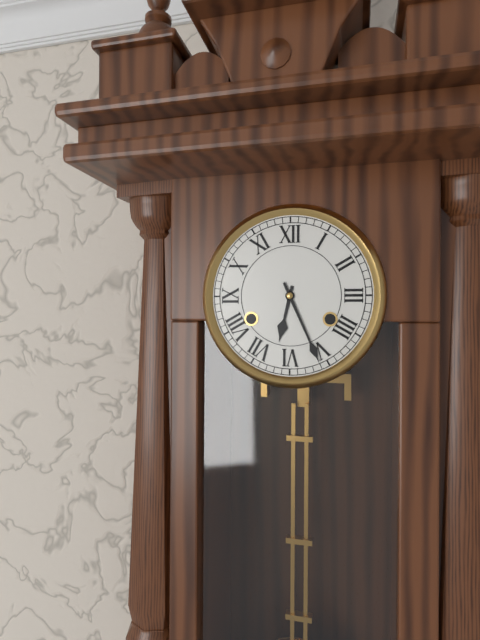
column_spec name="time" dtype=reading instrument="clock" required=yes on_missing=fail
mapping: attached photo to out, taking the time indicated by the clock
6:26
